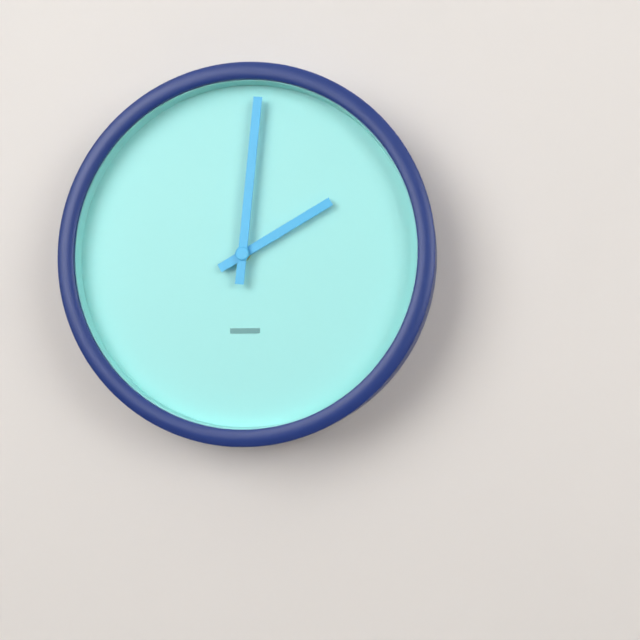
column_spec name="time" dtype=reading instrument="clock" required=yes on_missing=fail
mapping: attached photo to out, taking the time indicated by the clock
2:01
